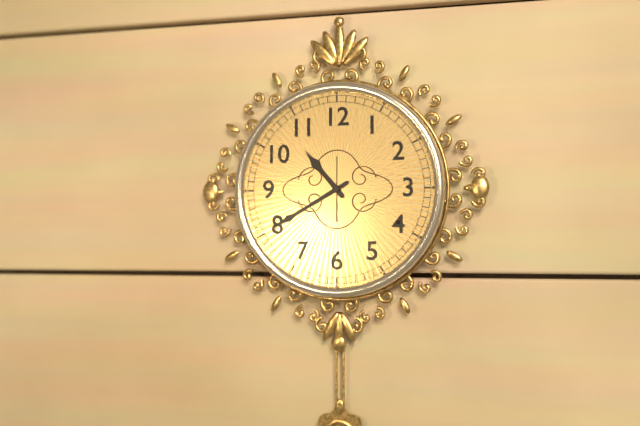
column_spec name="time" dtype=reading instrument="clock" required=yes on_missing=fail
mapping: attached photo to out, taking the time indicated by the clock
10:40
